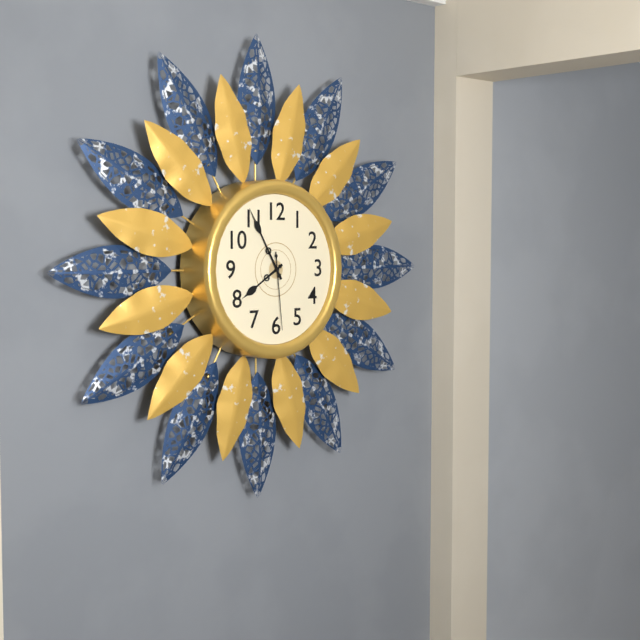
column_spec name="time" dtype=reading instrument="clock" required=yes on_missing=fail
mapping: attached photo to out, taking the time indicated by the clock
7:55:29
